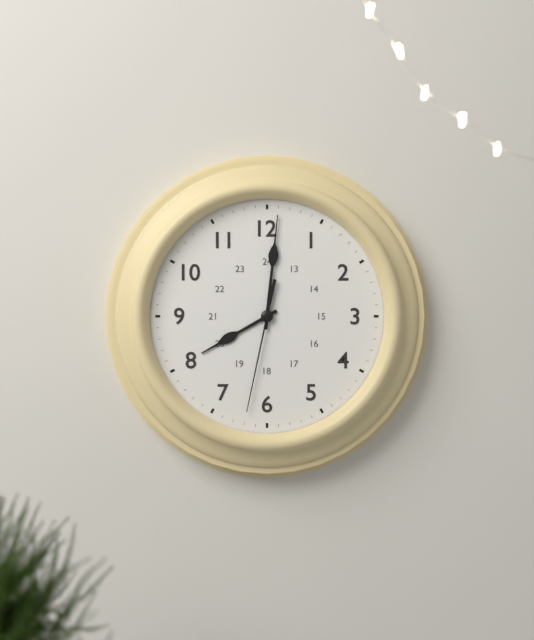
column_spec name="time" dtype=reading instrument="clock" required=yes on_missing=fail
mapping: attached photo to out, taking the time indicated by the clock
8:01:32
